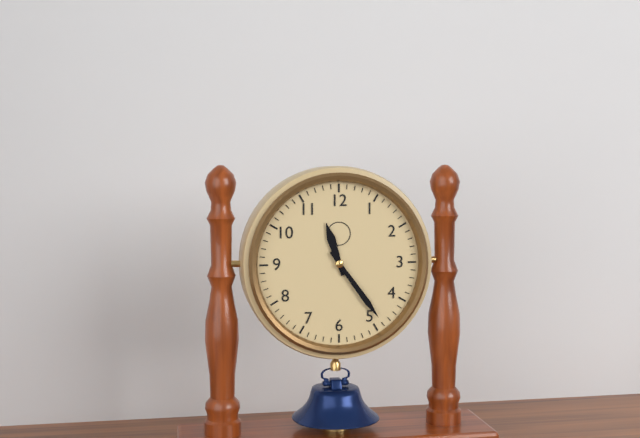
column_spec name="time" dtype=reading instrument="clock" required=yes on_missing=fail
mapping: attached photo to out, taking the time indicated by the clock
11:24
